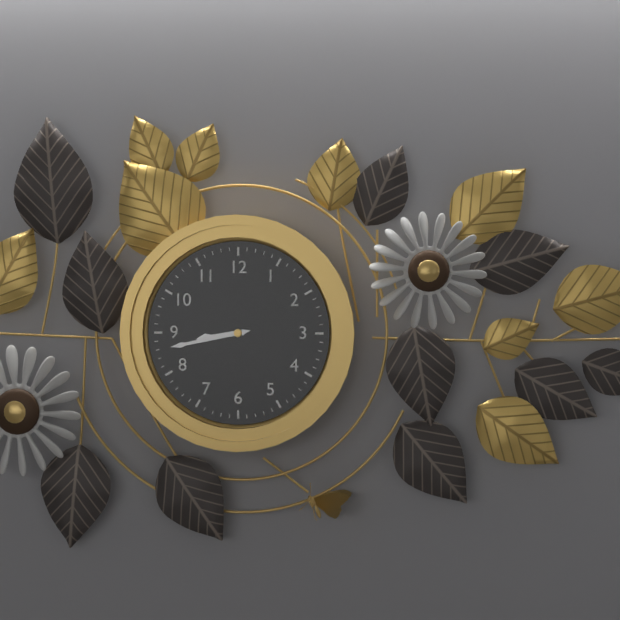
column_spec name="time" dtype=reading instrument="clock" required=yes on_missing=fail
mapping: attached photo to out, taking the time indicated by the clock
8:43
